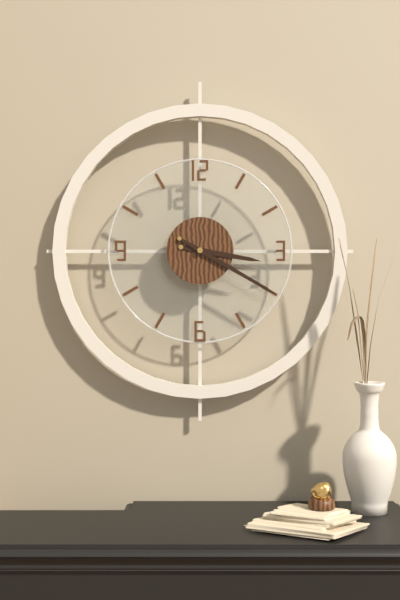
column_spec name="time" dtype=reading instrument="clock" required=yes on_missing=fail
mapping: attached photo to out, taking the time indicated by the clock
3:20
